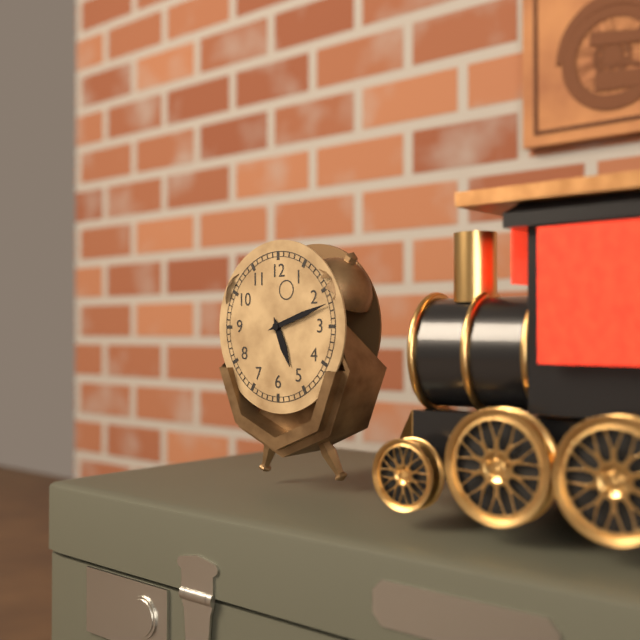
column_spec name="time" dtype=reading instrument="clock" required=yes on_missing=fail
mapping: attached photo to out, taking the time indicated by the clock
5:12
